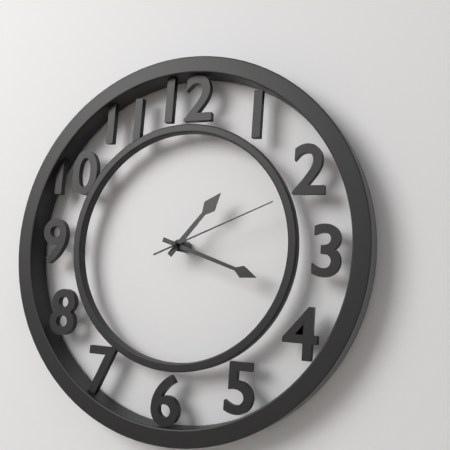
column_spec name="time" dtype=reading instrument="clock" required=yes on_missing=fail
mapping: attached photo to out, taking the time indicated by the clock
1:18:11
